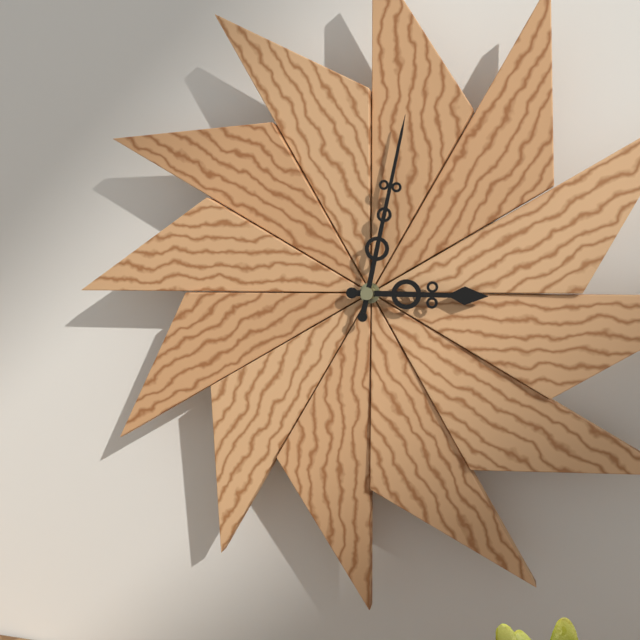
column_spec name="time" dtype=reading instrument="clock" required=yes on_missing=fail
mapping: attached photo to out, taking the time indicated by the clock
3:02
